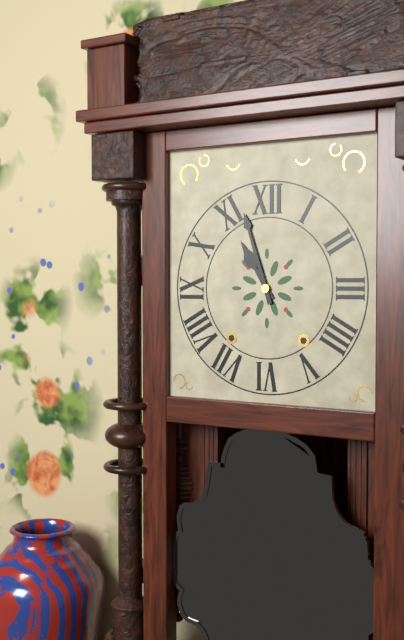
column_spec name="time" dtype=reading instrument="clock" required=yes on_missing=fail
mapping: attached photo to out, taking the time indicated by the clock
10:57
